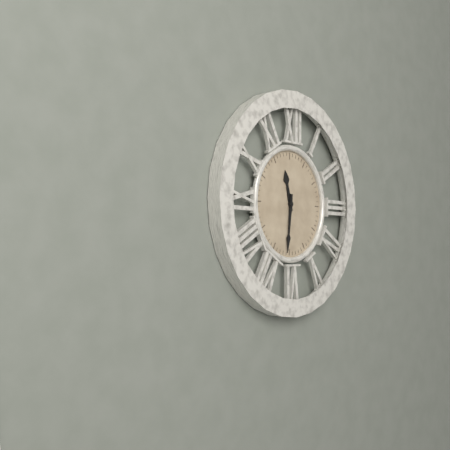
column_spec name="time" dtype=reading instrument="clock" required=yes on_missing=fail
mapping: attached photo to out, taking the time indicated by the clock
11:31
